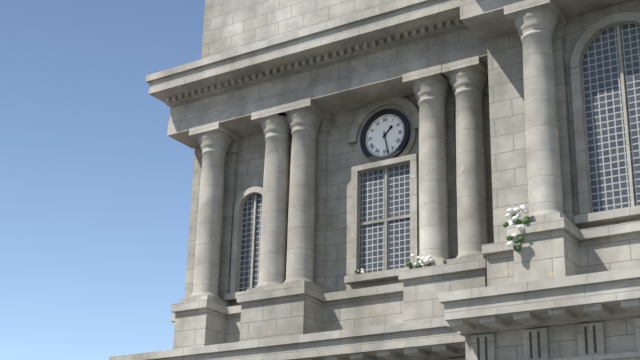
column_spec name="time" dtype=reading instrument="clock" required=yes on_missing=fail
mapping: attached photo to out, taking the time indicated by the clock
1:28
